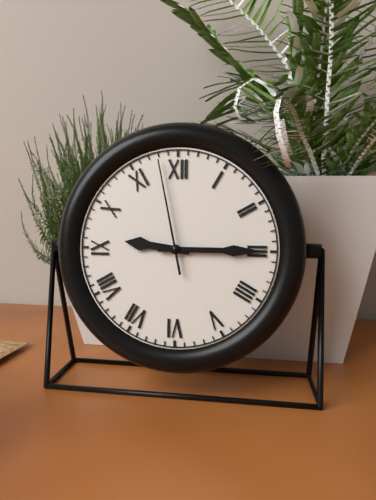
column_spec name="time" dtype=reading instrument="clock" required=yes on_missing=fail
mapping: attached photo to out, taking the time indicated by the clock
9:15:58
